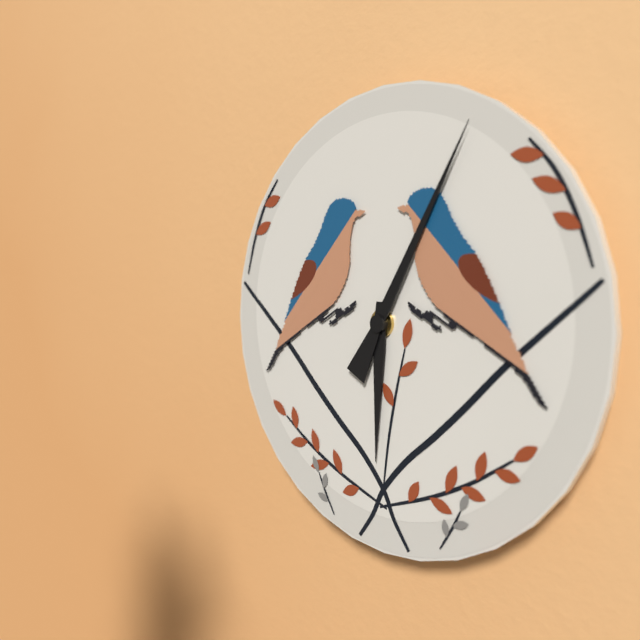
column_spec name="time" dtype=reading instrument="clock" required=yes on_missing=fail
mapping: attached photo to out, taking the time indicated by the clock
6:05
